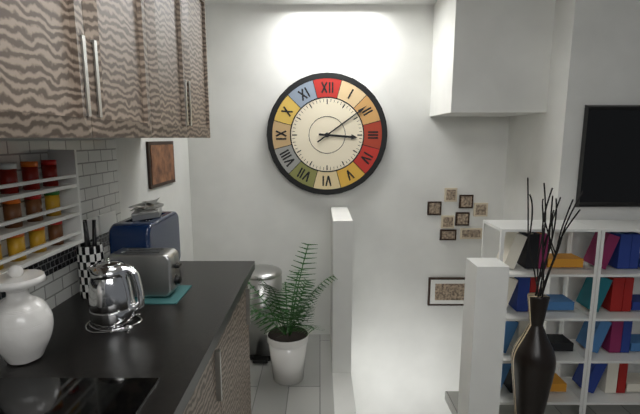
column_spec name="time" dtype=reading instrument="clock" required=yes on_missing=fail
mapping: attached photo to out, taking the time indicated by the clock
3:09
